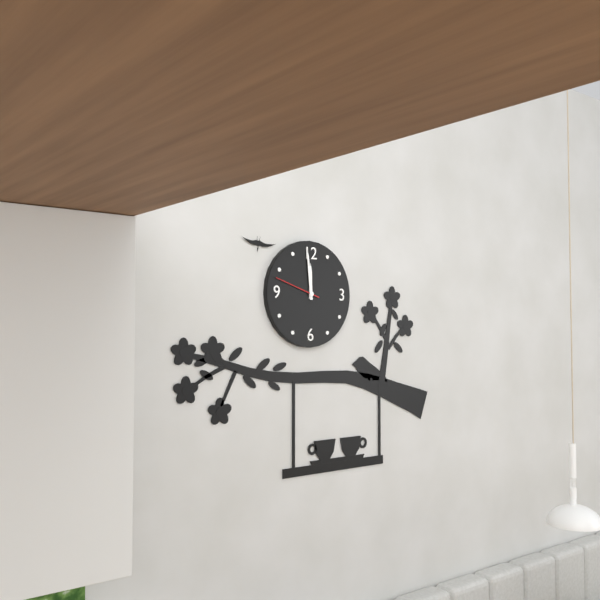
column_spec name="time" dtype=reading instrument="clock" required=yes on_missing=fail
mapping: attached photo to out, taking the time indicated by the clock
11:59
